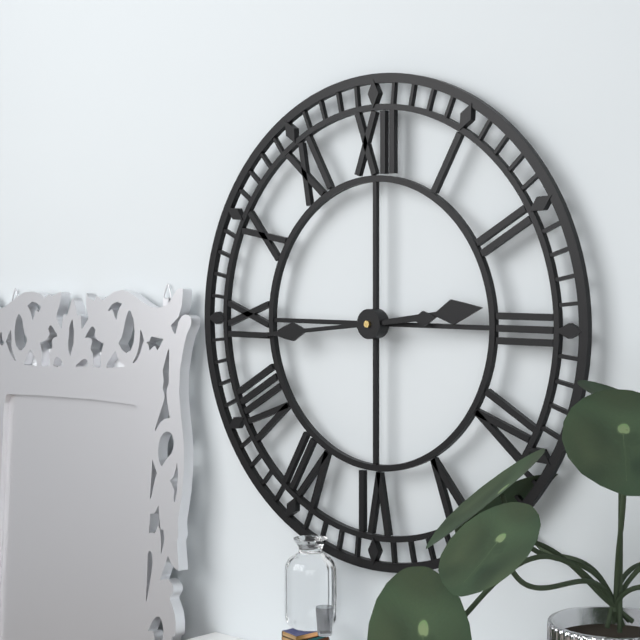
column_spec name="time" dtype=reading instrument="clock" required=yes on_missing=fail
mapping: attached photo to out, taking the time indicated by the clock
2:44
